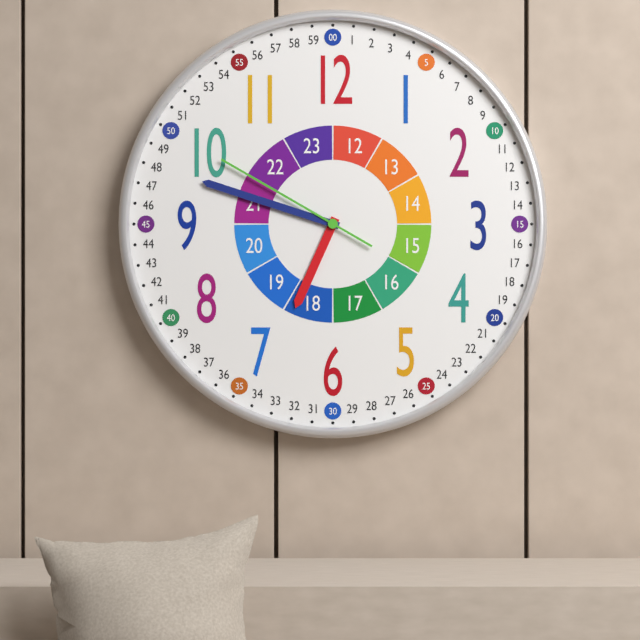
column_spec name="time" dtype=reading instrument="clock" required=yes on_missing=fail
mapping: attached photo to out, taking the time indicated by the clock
6:48:50
